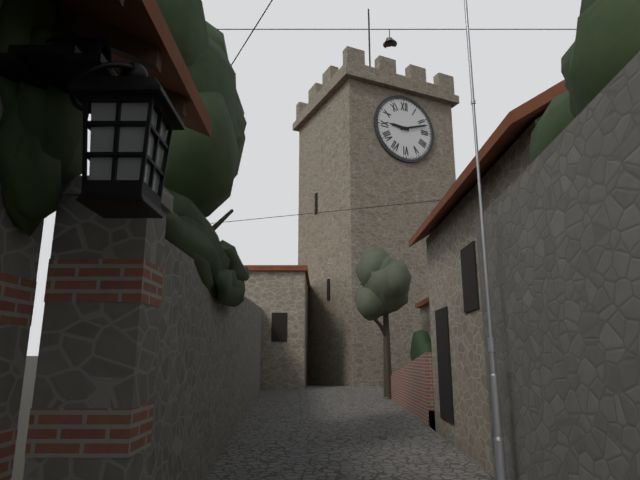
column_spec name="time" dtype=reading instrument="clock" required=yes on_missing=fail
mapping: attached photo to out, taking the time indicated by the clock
9:12
